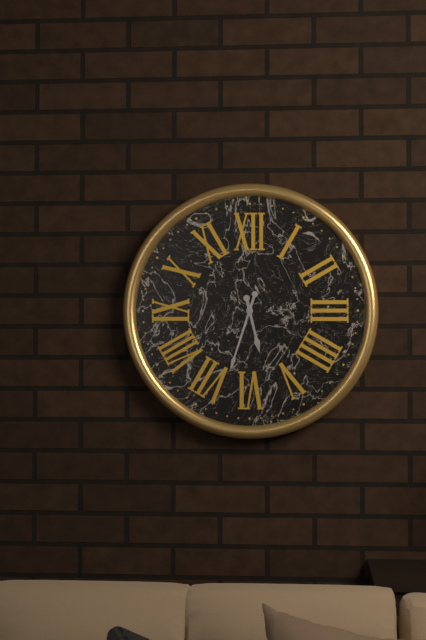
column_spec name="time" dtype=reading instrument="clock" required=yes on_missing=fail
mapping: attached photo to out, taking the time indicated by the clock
5:33
